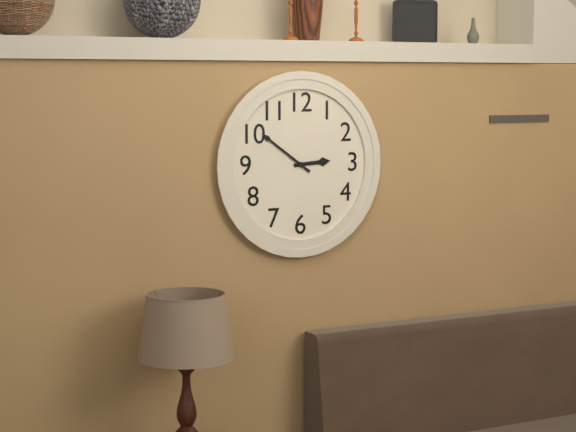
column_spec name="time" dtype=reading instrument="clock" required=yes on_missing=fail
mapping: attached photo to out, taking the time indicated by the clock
2:51
